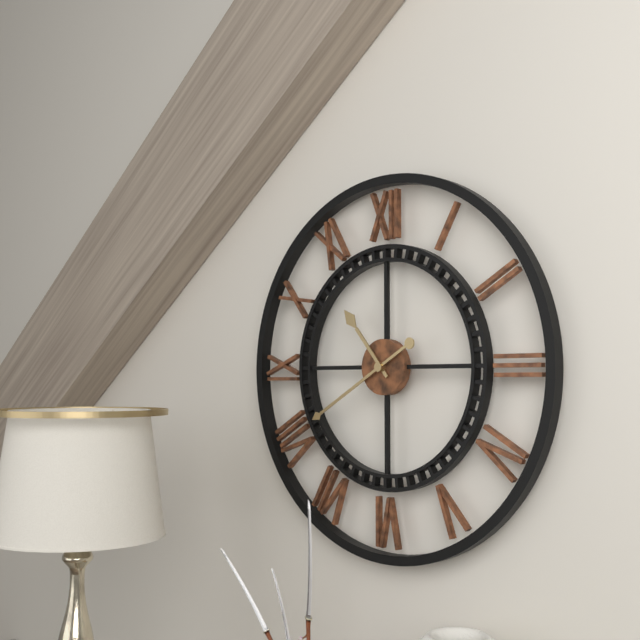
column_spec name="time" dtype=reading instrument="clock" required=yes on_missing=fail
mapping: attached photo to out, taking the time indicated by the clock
10:40
